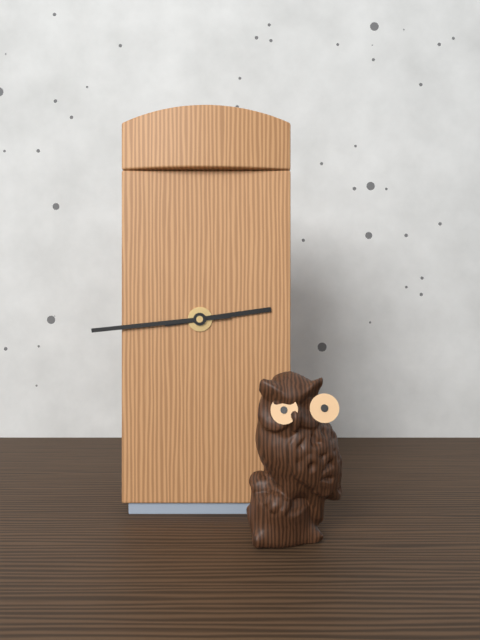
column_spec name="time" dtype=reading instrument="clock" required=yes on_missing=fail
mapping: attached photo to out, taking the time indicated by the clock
2:44
